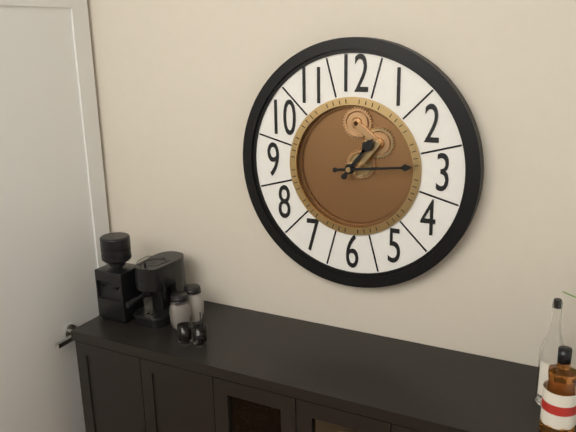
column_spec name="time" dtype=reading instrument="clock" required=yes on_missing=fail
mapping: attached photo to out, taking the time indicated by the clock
1:14
